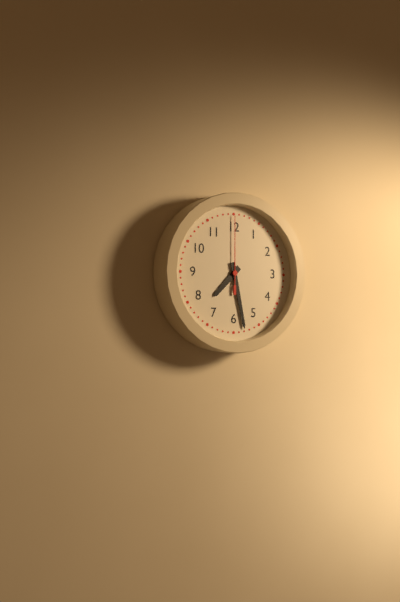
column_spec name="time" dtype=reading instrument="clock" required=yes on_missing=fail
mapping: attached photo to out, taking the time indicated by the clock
7:28:00
